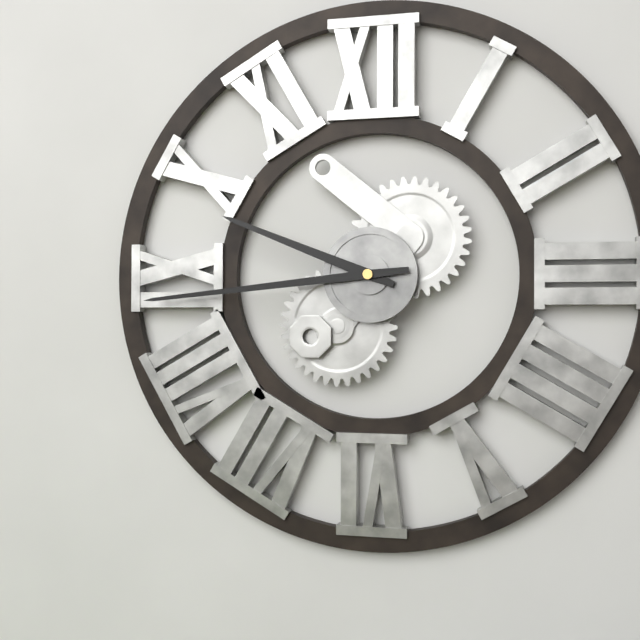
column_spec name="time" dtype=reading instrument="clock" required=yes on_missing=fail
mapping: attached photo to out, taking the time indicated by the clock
9:44
